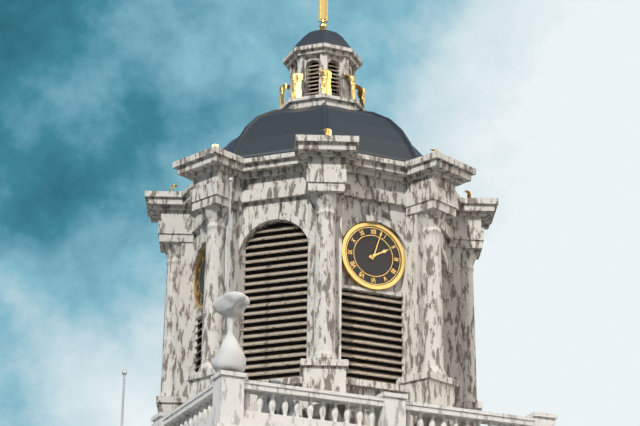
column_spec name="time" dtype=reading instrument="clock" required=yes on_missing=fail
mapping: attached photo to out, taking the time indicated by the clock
2:03
